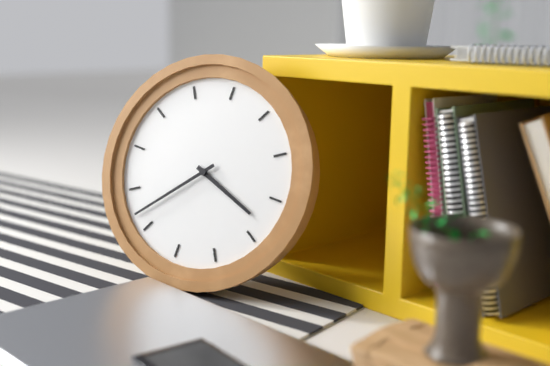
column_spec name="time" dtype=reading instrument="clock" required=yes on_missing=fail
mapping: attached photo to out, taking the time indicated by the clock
3:37
